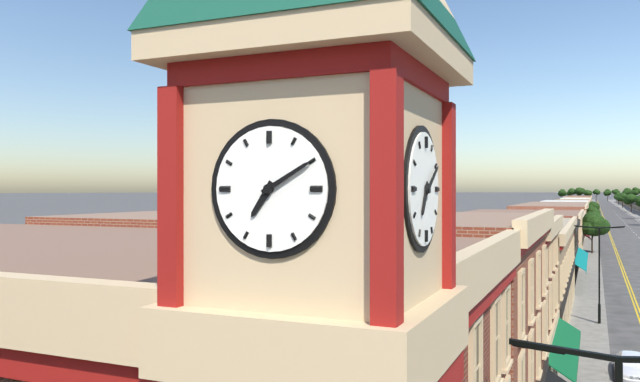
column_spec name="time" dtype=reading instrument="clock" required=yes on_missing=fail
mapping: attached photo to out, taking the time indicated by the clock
7:10
